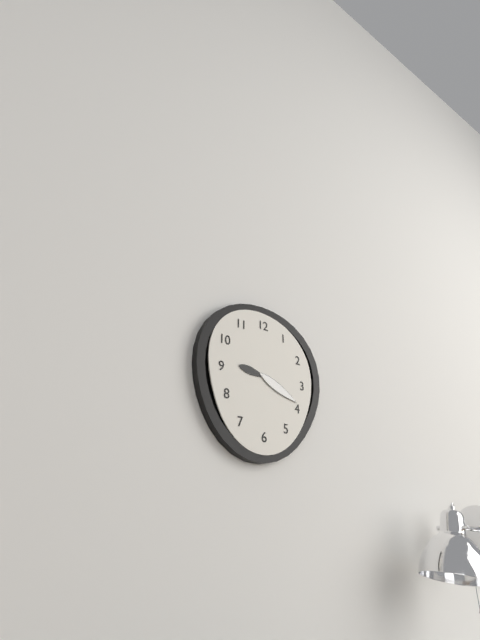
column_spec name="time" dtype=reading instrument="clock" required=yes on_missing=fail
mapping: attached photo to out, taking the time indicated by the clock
9:19
